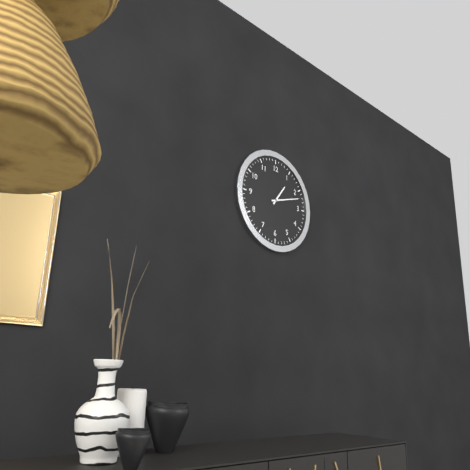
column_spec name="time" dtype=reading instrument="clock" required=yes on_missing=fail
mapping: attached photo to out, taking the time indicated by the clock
1:12
